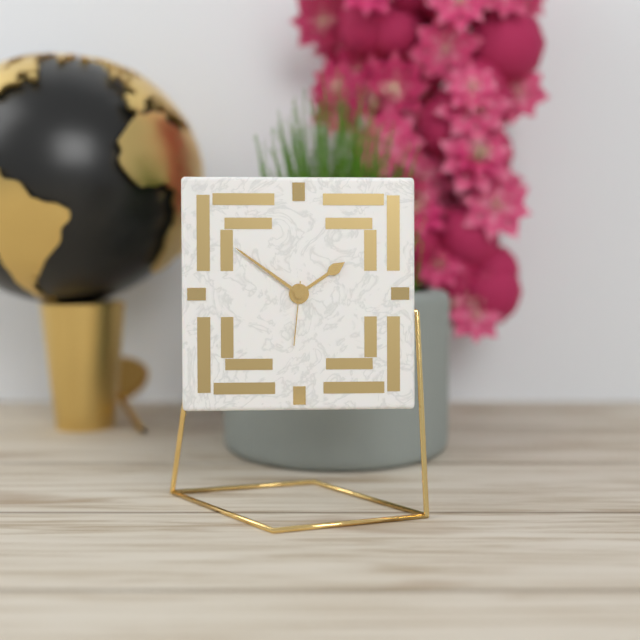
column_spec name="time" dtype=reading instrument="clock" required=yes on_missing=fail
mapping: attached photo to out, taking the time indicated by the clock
1:51:31
